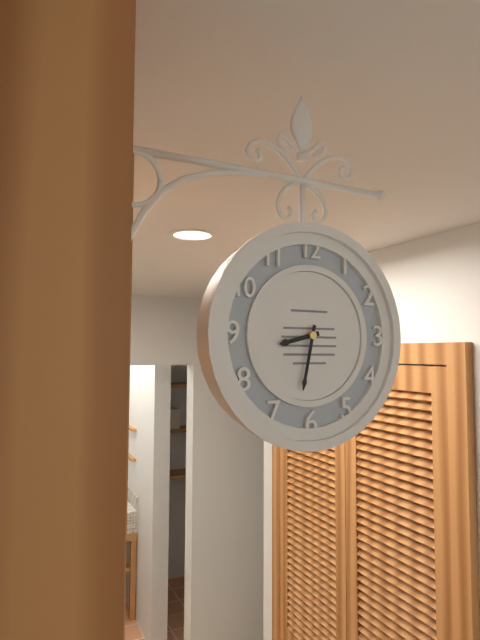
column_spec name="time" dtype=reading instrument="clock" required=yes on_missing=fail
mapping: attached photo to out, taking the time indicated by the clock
8:32
